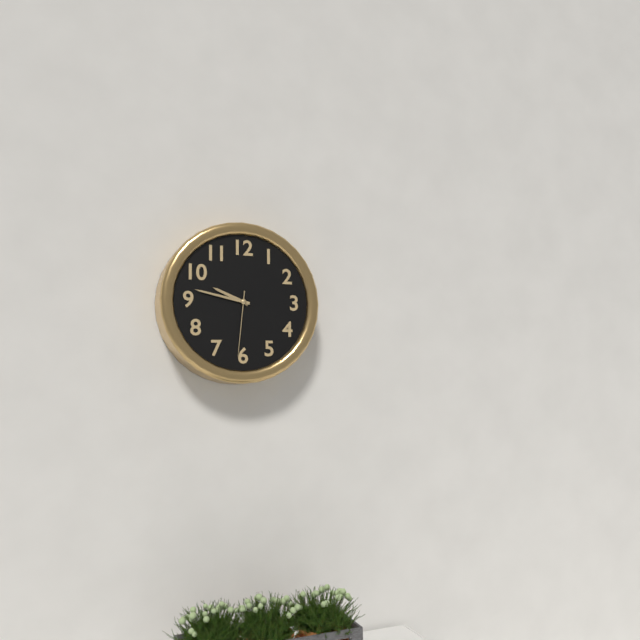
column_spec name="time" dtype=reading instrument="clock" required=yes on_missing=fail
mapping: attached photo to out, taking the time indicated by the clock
9:47:31
